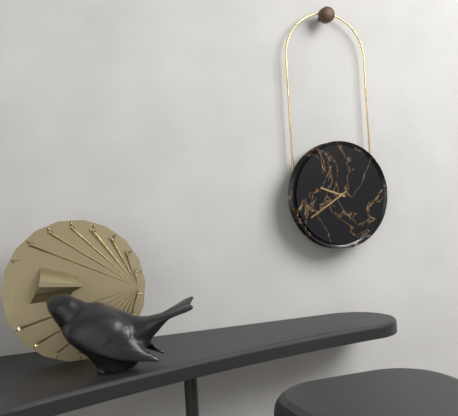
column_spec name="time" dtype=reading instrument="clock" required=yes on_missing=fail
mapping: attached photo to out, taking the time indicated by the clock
9:40
